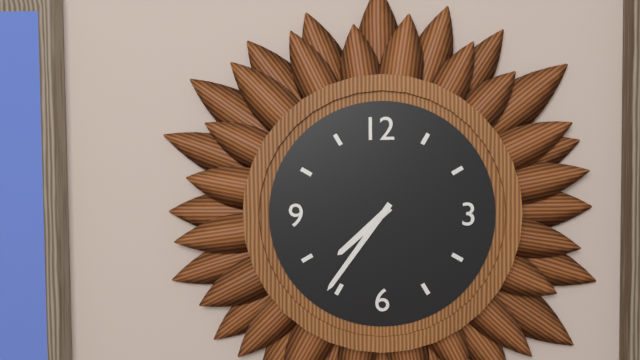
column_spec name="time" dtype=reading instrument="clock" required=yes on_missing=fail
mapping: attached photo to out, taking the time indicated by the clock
7:36
